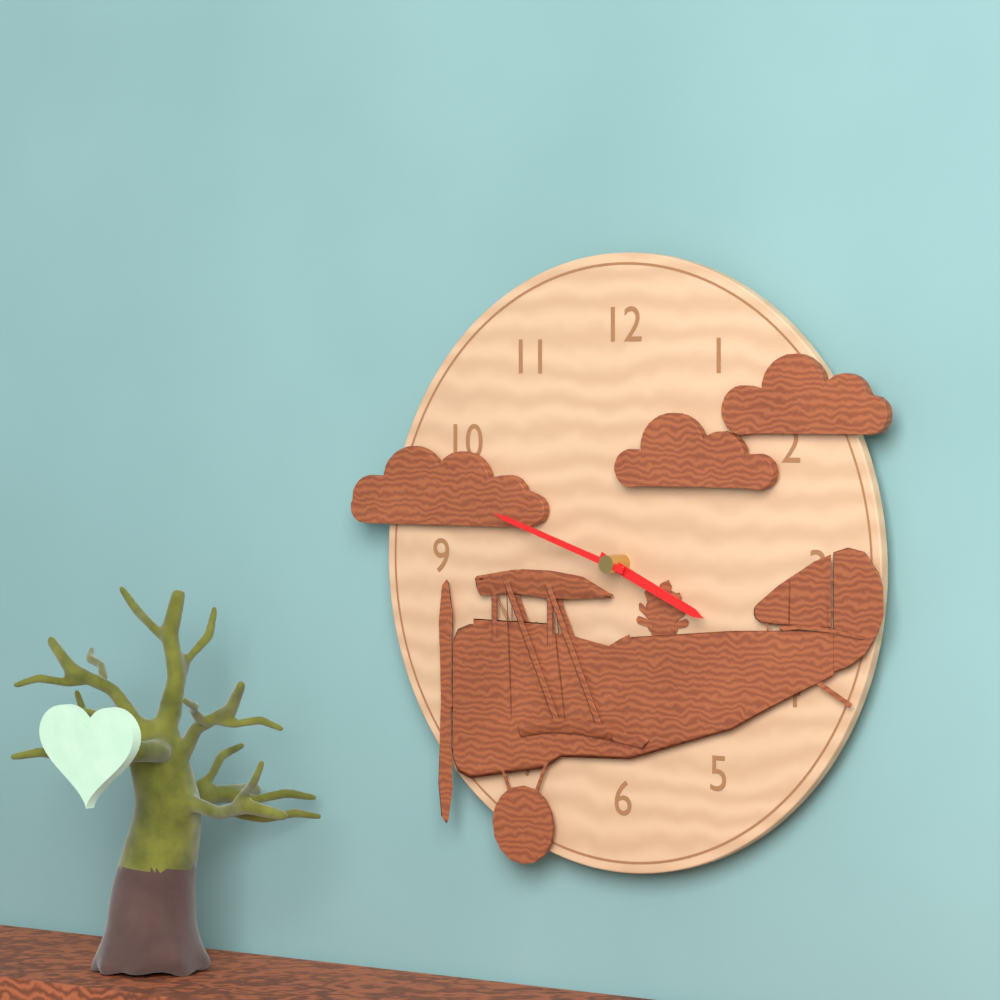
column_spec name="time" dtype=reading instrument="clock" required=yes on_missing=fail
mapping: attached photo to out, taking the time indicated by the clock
3:48
